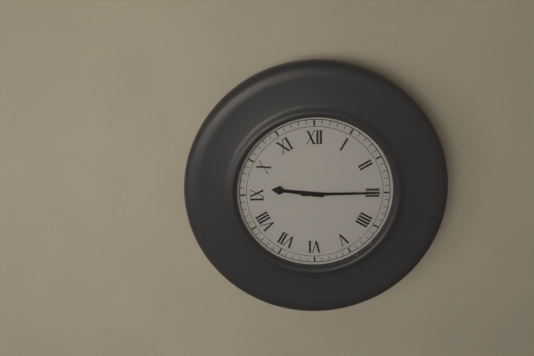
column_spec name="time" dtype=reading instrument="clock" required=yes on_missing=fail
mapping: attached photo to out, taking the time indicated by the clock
9:15
